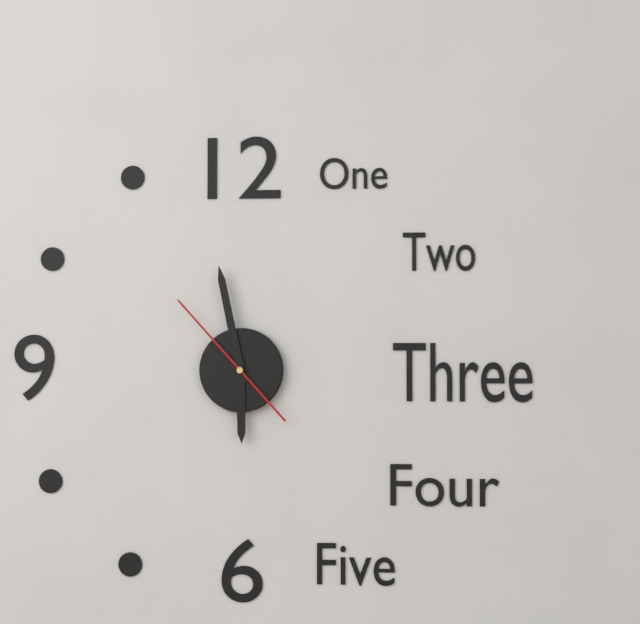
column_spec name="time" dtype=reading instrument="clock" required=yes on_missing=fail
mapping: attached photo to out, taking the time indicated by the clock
5:58:53
